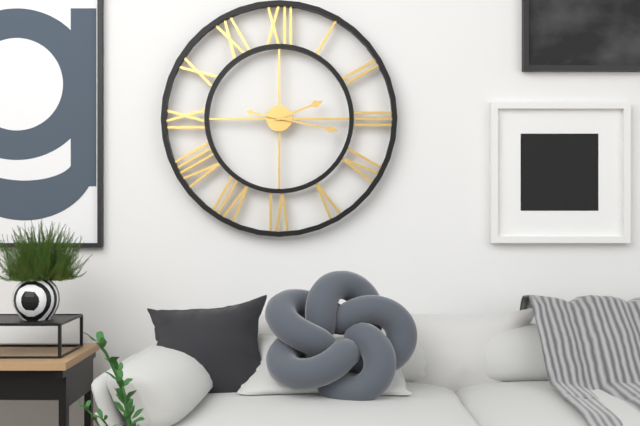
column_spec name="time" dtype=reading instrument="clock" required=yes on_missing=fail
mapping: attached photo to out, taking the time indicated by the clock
2:17
